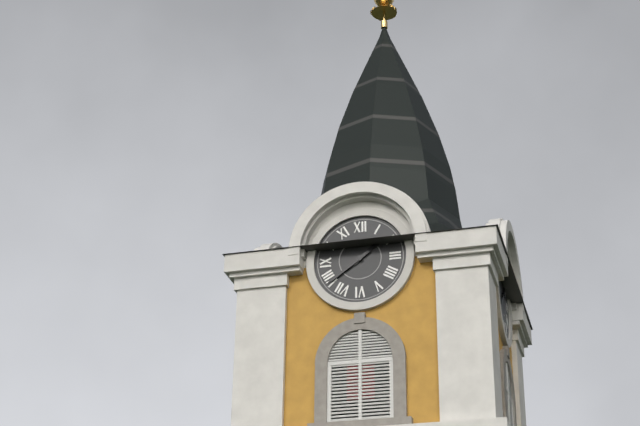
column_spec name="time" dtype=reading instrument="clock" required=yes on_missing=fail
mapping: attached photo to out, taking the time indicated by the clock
1:39
